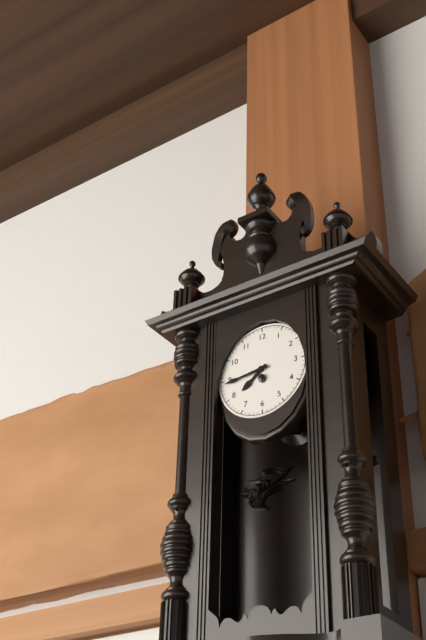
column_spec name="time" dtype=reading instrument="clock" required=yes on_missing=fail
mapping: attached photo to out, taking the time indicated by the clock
7:44
